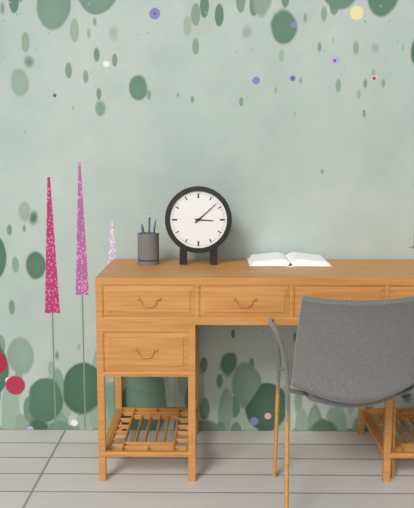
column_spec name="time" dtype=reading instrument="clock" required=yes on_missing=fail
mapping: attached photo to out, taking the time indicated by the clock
3:08
